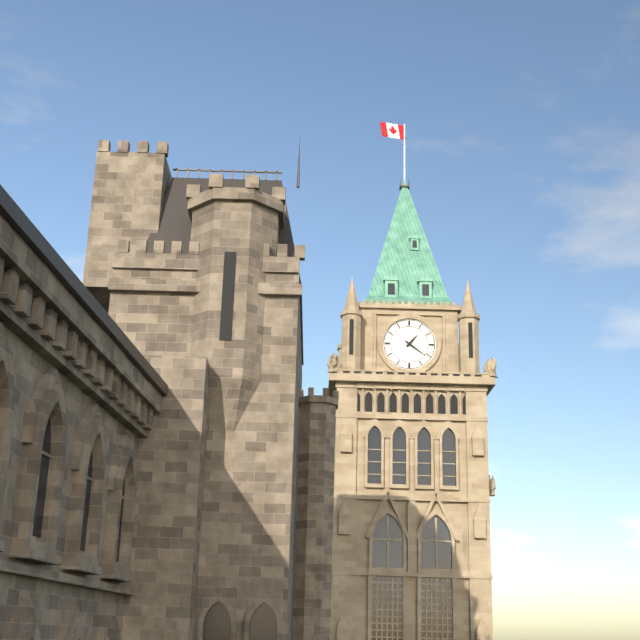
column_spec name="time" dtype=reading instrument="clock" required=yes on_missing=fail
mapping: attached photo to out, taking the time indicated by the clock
1:21
